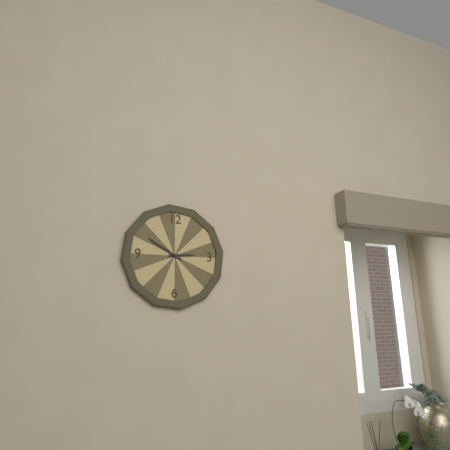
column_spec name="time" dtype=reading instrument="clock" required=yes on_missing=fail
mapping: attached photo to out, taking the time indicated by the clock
2:50
